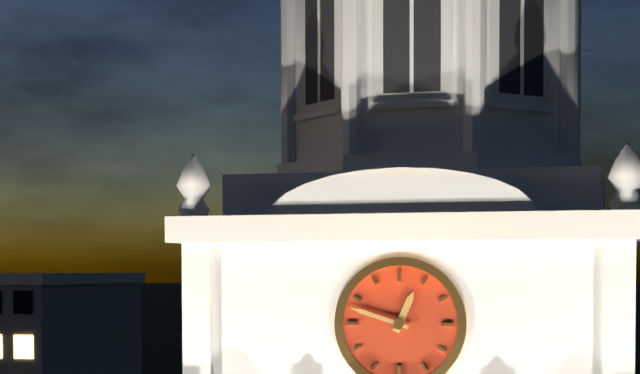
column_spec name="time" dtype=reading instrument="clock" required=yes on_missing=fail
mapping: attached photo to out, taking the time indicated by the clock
12:48
